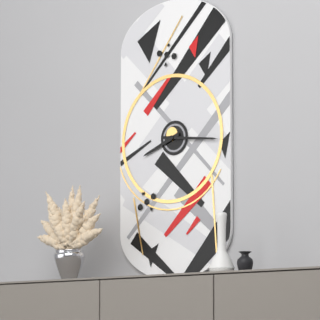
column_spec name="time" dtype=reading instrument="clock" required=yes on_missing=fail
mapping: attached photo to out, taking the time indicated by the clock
8:16
